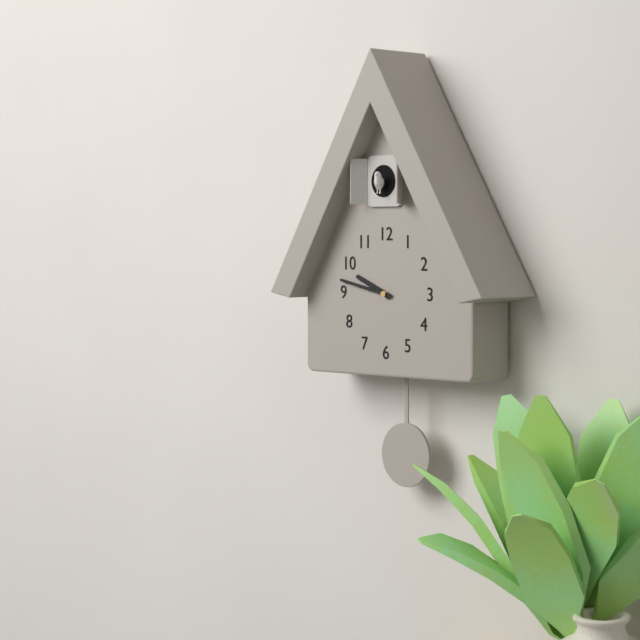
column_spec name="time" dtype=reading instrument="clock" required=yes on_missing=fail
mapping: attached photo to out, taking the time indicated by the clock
9:47
